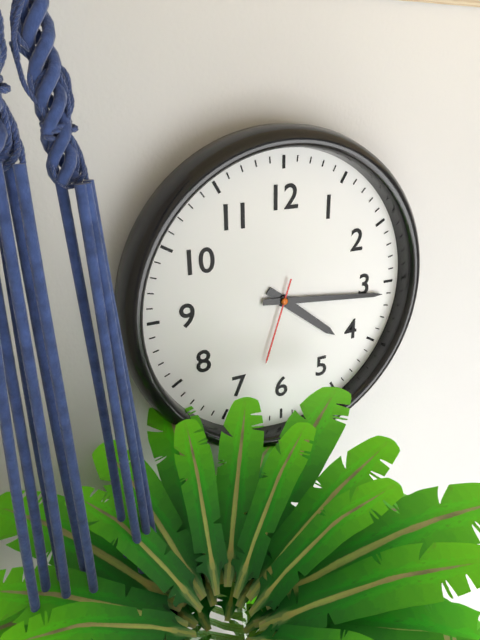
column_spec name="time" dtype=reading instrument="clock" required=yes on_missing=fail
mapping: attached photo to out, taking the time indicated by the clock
4:16:33
